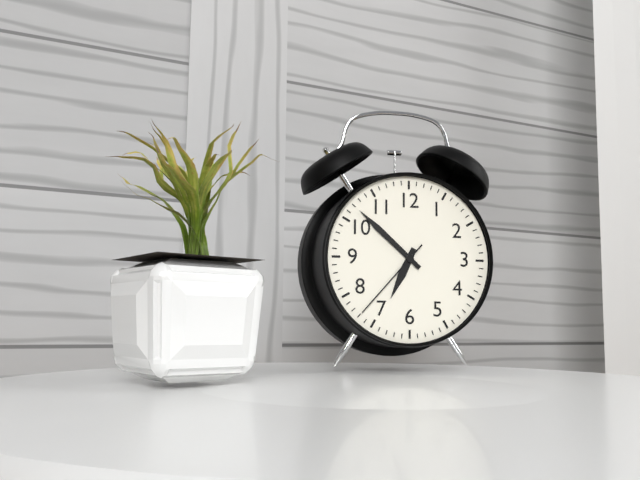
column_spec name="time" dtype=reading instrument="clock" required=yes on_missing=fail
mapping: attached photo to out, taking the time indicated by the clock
6:52:37
